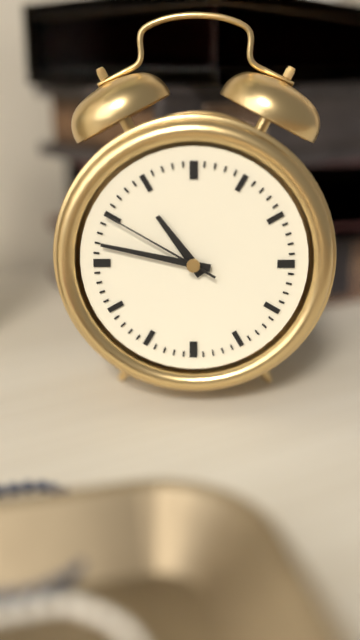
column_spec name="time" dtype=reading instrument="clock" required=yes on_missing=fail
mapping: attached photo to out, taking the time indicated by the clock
10:47:50
